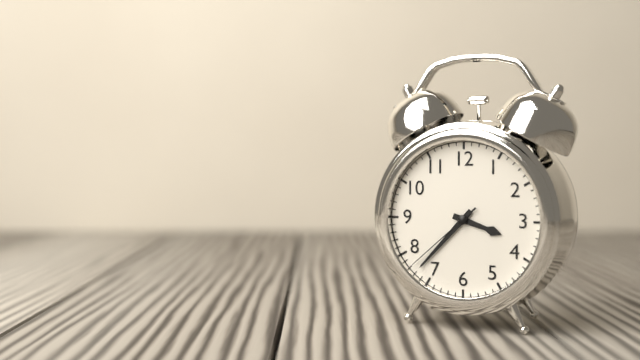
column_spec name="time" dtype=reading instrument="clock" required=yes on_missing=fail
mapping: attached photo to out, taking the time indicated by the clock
3:37:38
